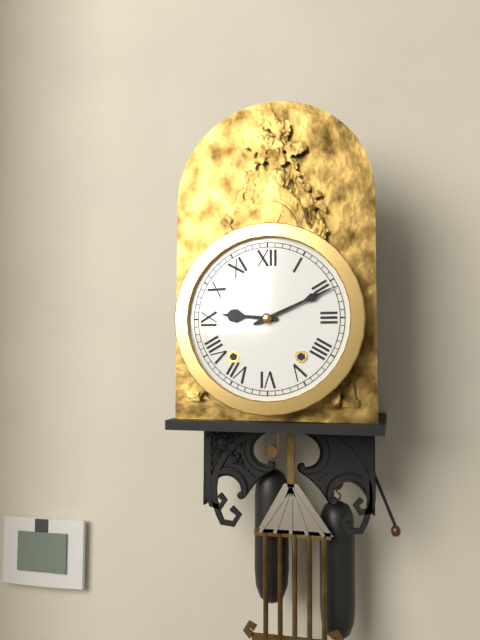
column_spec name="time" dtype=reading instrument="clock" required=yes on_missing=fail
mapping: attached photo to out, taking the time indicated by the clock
9:11
